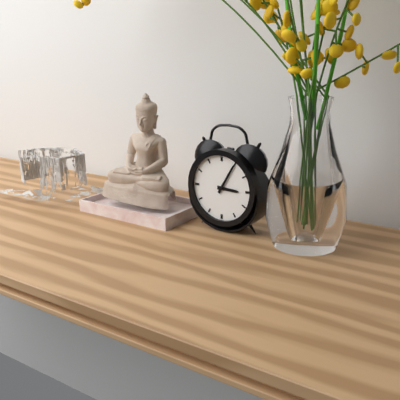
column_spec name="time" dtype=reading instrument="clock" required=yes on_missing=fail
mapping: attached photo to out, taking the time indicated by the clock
3:05
